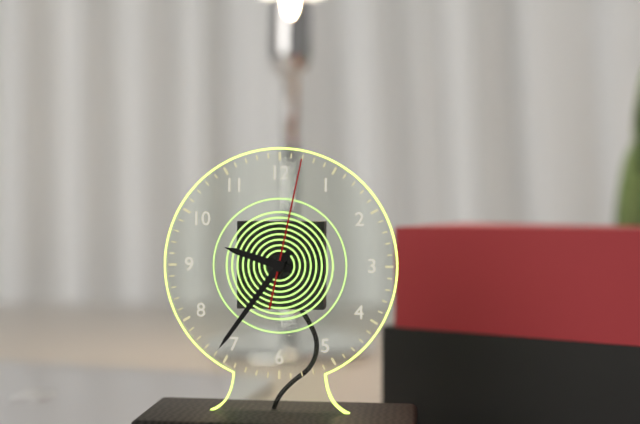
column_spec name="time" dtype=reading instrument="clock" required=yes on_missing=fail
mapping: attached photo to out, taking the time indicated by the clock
9:36:02
